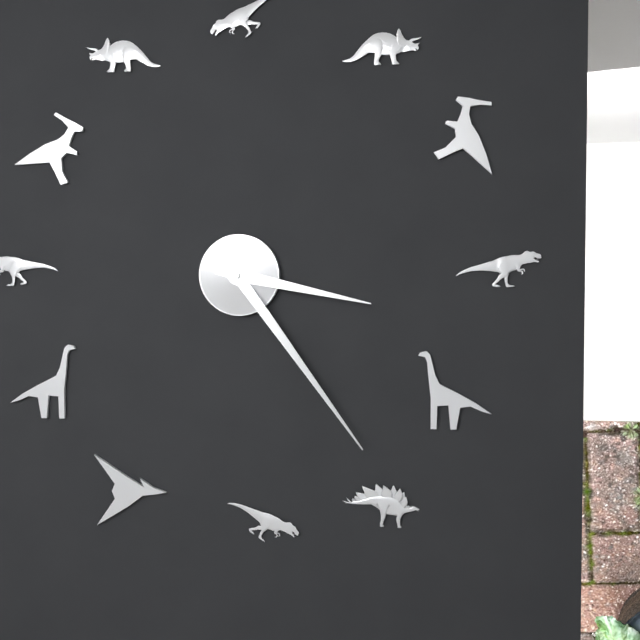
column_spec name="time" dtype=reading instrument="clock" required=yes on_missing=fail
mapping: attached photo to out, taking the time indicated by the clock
3:24
